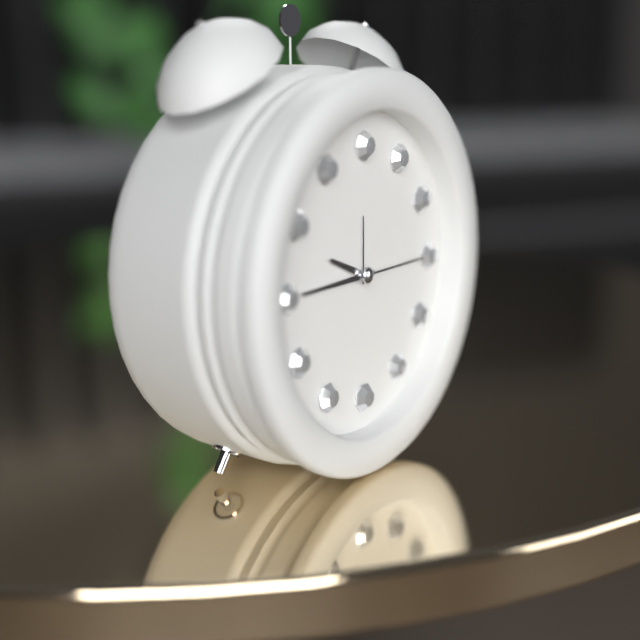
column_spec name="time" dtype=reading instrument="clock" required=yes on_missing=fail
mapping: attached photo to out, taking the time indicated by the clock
9:45:15
